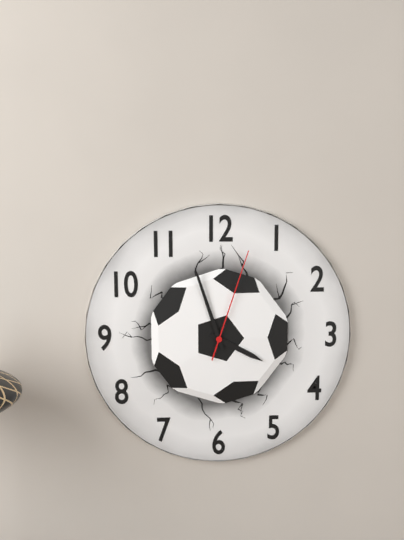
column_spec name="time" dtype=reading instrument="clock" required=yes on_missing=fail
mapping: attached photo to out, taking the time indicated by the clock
3:57:03
